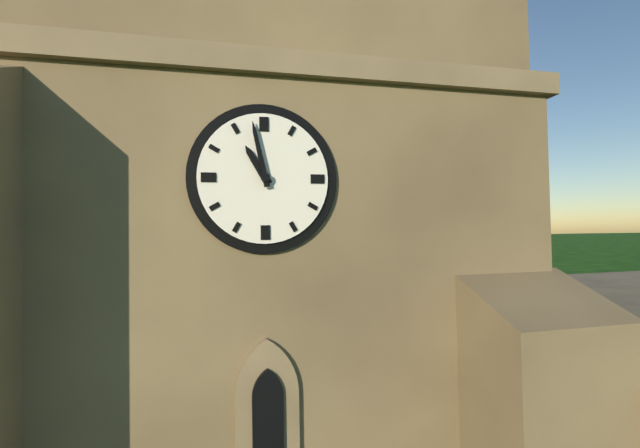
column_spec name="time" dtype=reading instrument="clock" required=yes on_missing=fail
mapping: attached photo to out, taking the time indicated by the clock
10:58
